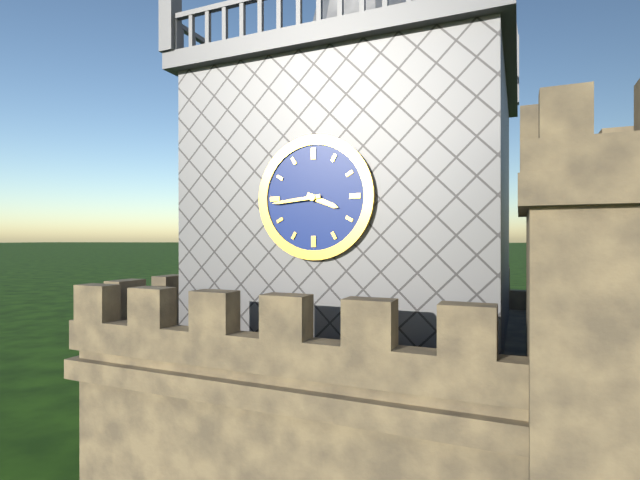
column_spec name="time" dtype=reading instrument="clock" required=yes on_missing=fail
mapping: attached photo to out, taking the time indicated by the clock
3:44
